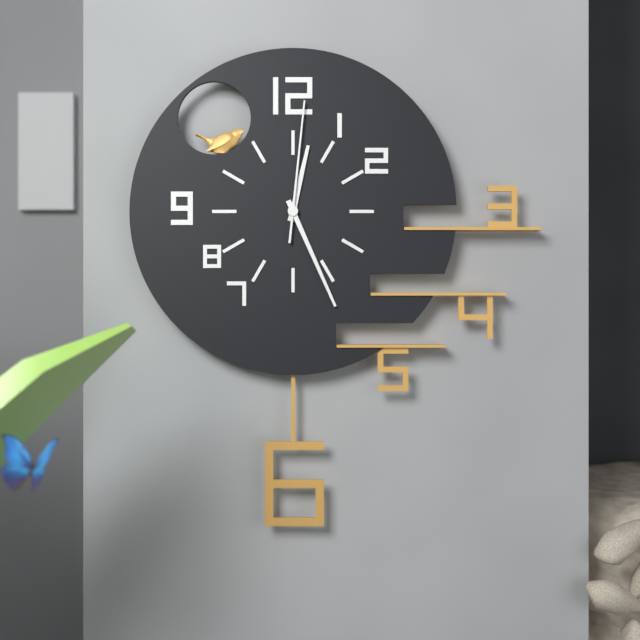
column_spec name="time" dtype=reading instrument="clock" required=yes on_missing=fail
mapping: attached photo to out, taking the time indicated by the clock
12:26:01
